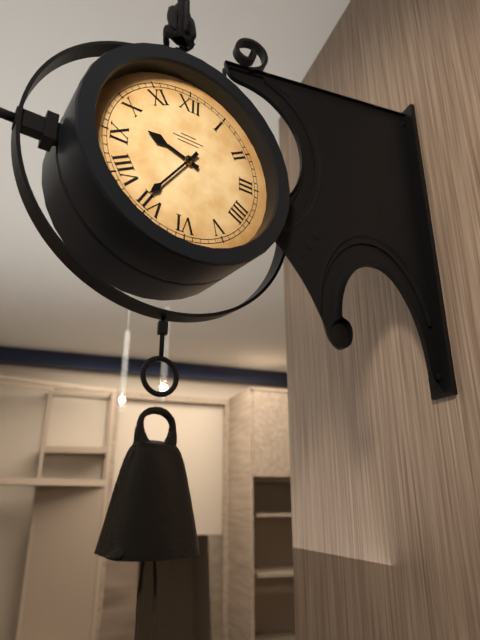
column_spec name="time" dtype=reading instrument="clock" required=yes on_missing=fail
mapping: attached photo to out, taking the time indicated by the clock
9:36
